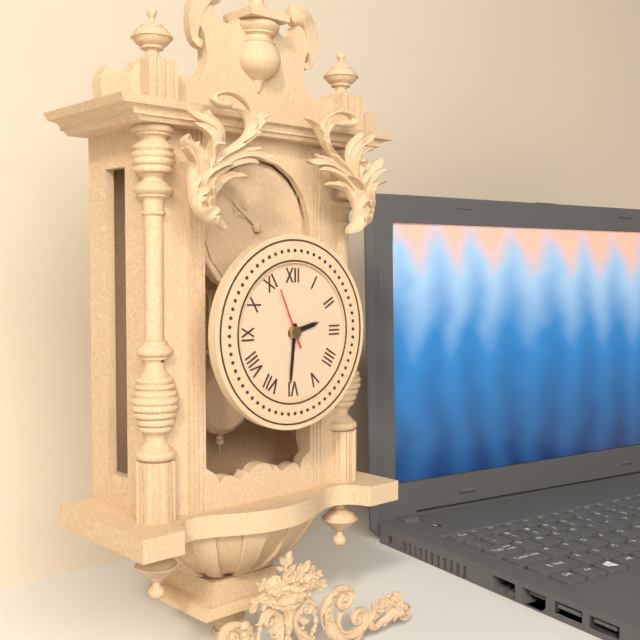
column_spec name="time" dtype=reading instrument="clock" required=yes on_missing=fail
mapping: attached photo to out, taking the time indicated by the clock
2:31:56
